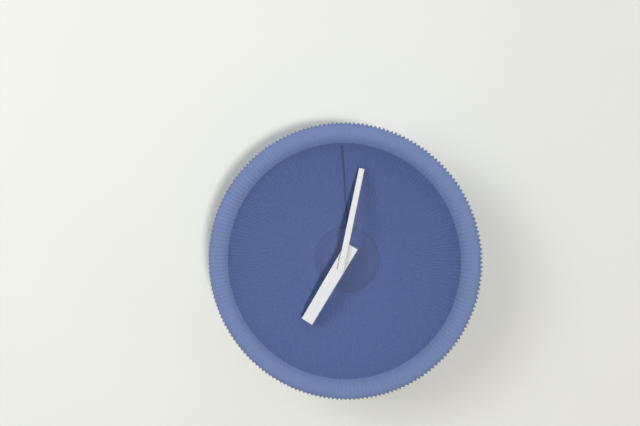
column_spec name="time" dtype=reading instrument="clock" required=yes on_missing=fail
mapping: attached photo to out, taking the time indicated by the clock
7:02
